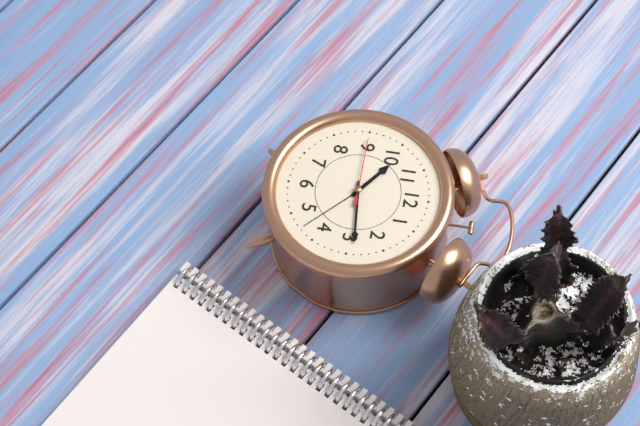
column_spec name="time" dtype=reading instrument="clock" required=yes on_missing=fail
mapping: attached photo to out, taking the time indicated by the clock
10:14:45
